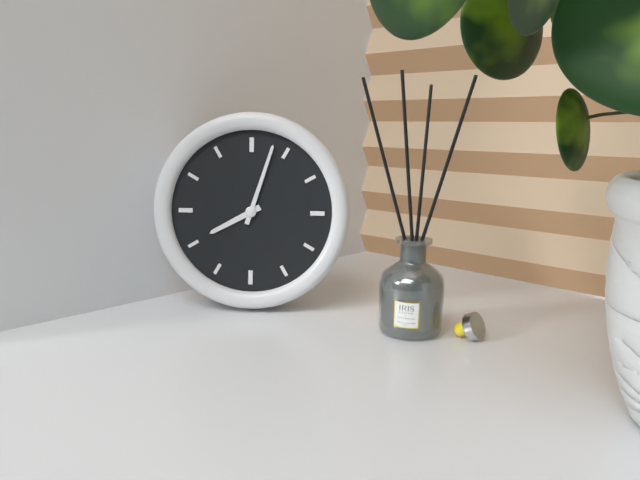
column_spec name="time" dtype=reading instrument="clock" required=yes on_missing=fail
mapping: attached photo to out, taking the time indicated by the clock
8:03
